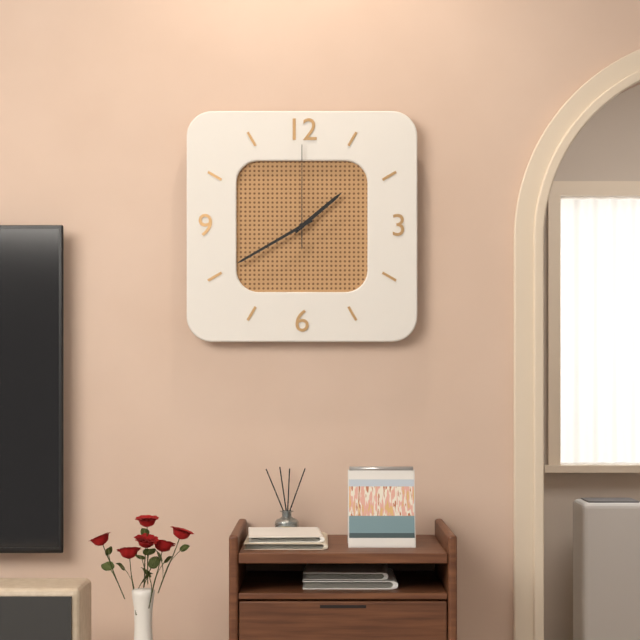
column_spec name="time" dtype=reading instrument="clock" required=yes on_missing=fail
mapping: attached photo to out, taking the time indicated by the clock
1:40:00
